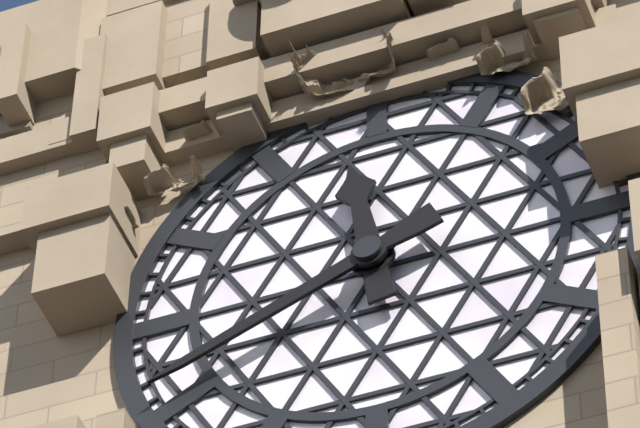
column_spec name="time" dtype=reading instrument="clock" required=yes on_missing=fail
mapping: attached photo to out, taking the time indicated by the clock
11:41
